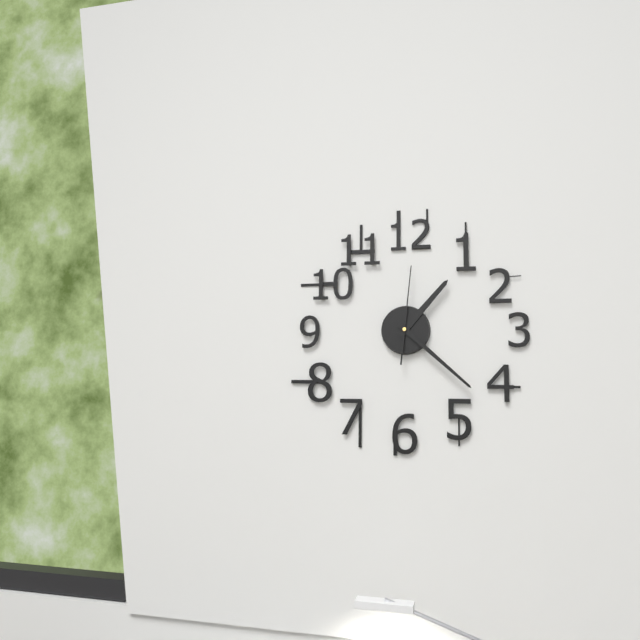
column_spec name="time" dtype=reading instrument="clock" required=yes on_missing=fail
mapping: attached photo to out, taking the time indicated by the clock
1:22:01
